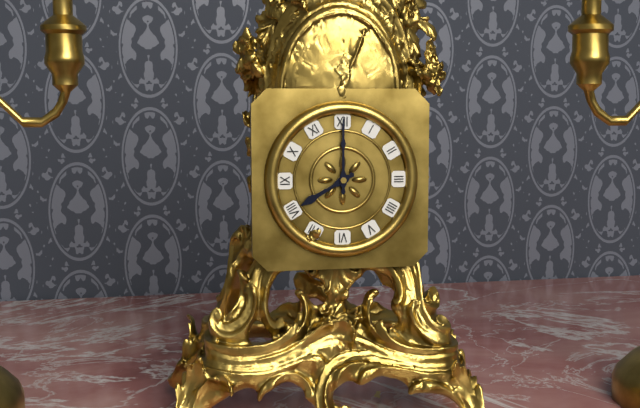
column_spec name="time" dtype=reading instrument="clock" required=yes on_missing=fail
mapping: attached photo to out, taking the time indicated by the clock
8:00
